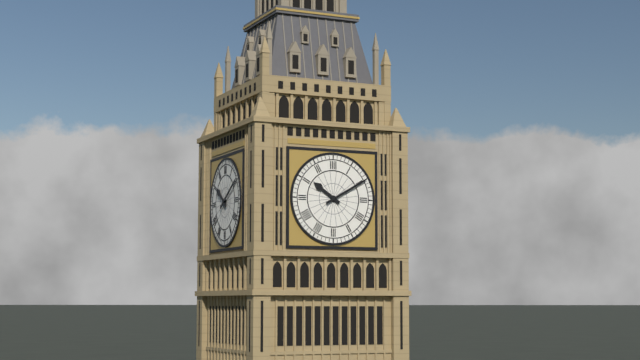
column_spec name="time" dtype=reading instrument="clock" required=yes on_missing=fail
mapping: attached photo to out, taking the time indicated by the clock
10:10
